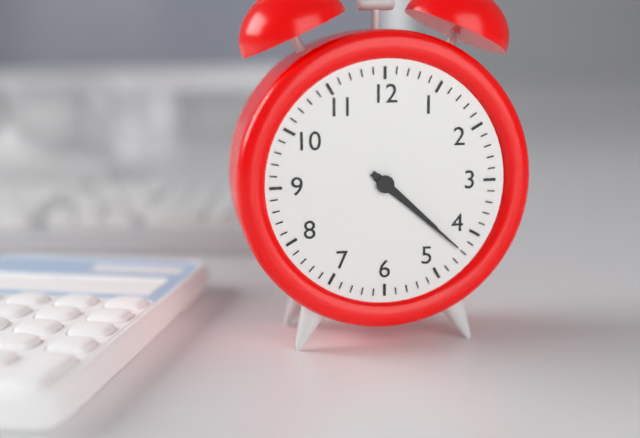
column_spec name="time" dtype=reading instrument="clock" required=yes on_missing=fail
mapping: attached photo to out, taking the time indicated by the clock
4:22
